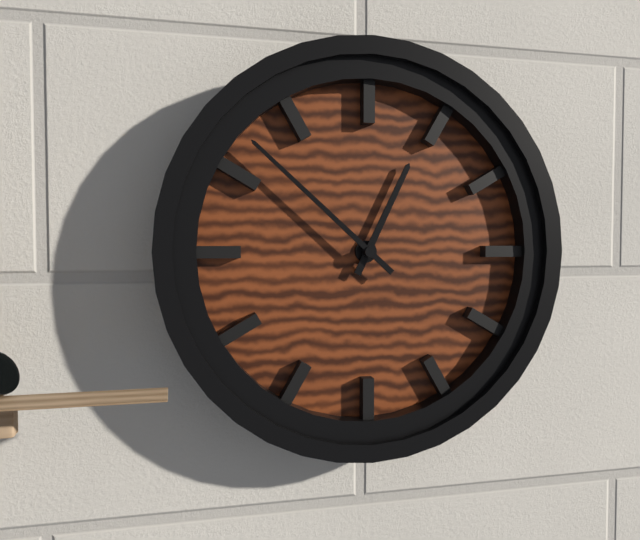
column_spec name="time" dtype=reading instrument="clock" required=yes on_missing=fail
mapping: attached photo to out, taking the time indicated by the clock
12:52
